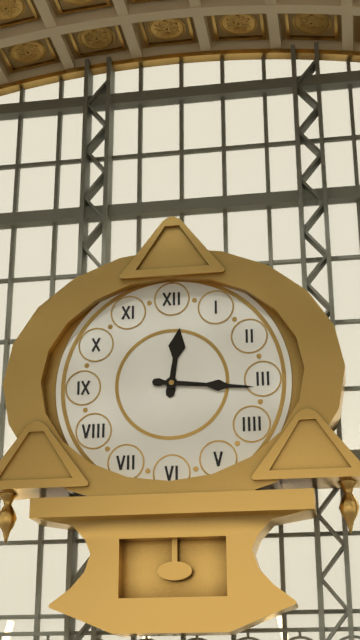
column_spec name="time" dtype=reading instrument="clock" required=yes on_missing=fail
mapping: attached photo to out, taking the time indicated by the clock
12:16
